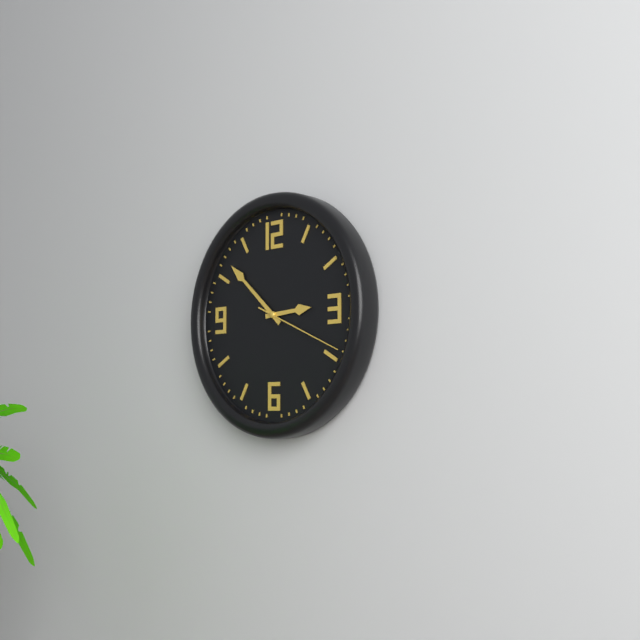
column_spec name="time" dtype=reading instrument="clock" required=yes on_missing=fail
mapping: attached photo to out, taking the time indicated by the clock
2:52:19
